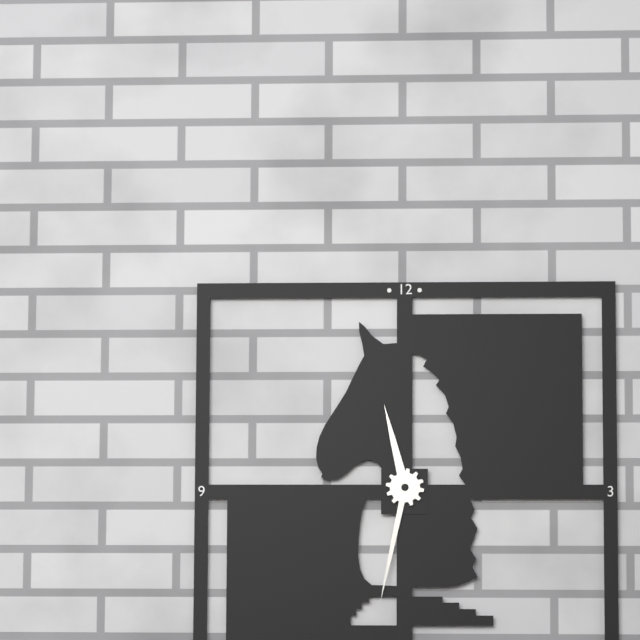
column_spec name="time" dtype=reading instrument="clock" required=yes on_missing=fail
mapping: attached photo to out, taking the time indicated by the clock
11:32
